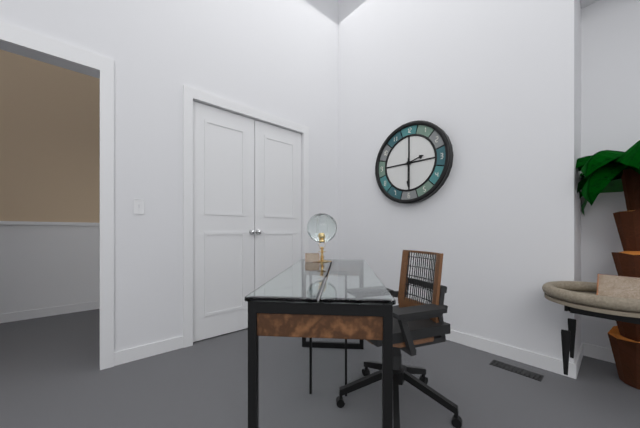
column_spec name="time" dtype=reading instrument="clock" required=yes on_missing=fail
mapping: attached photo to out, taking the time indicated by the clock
2:30
